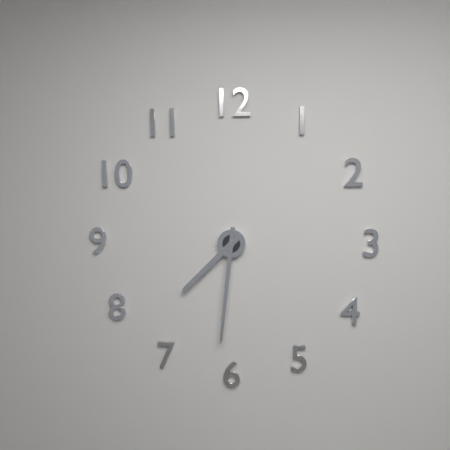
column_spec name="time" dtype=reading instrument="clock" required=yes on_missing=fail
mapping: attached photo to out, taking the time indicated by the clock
7:31
